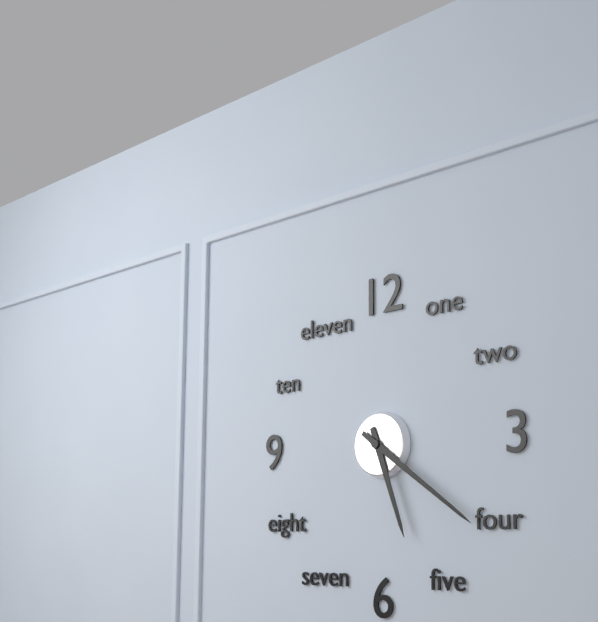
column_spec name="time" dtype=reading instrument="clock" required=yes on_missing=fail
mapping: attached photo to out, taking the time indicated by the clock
5:21
